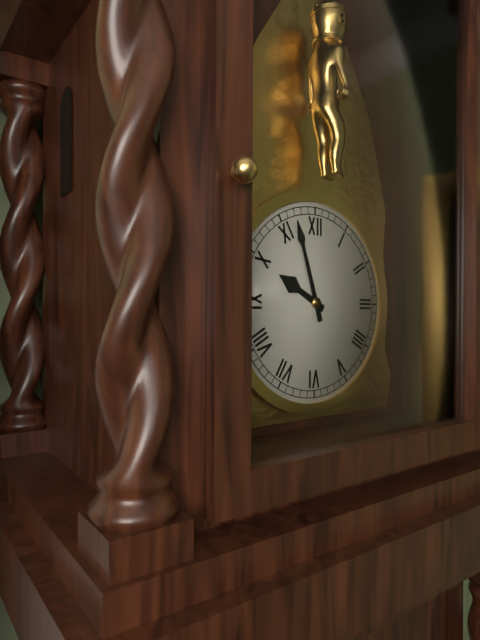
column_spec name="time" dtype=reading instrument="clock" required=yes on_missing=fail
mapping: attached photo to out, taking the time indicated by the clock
9:57
